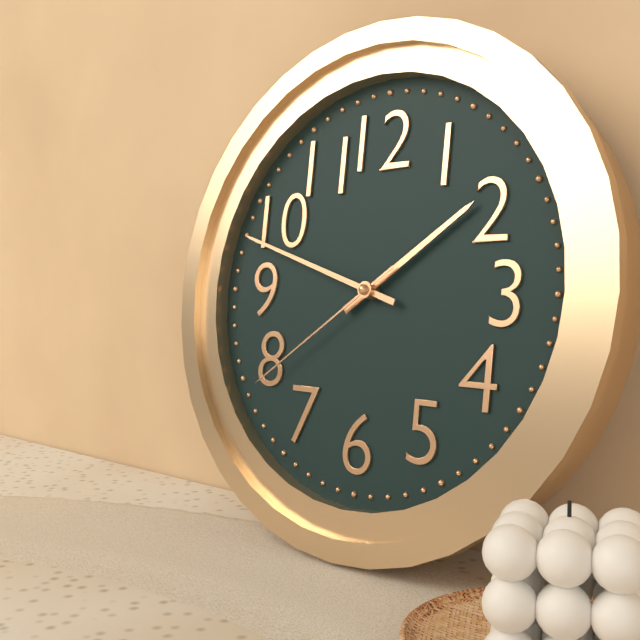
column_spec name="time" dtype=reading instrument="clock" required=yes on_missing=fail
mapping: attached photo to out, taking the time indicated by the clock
1:48:39
